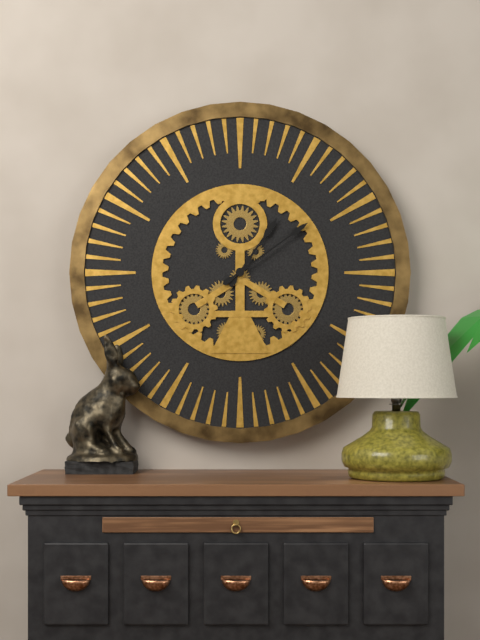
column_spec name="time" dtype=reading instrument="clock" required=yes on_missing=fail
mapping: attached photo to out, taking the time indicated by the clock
1:09
